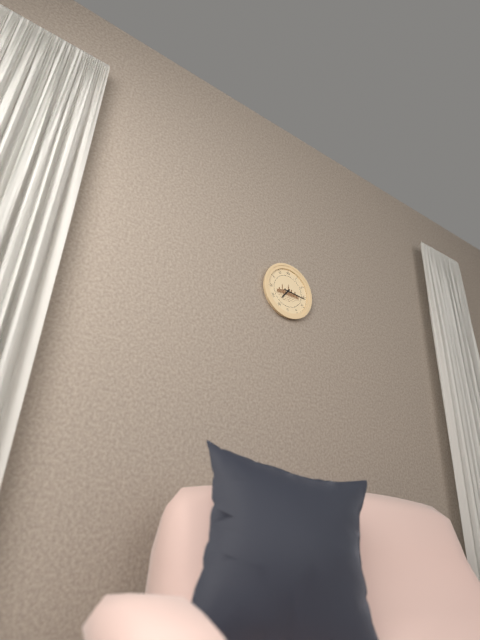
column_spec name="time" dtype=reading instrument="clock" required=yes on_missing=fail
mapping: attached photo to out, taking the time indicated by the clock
7:16
